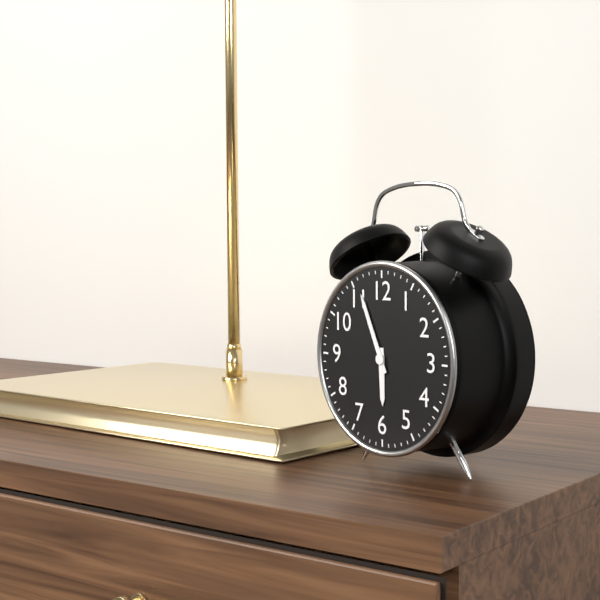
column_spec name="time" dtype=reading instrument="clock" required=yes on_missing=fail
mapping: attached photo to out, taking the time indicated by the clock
5:56
